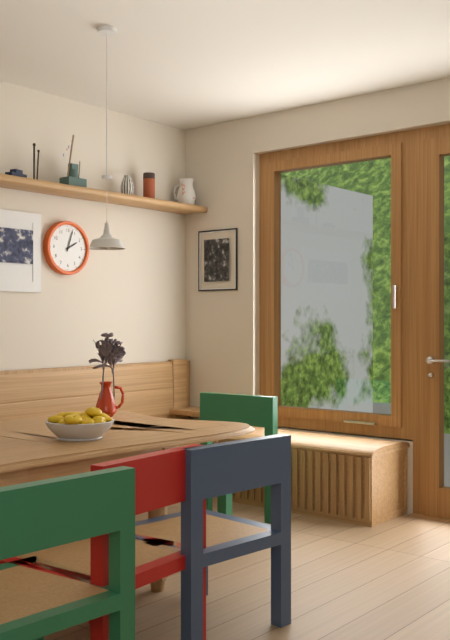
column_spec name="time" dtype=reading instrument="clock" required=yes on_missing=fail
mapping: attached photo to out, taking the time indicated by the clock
2:03
